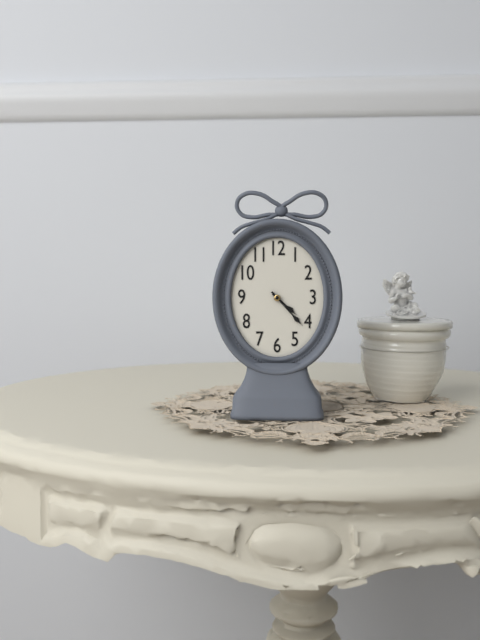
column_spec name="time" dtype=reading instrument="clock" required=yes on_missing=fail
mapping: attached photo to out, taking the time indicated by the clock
4:23
